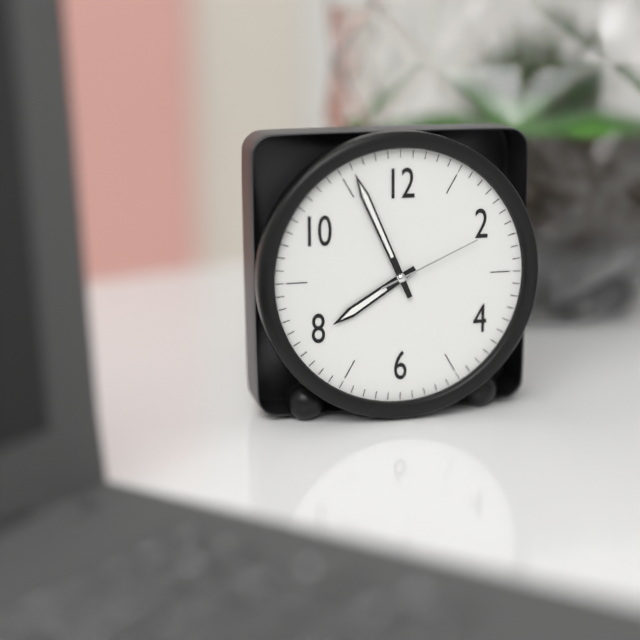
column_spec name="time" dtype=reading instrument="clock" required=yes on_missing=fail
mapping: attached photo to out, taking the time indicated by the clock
7:56:11
